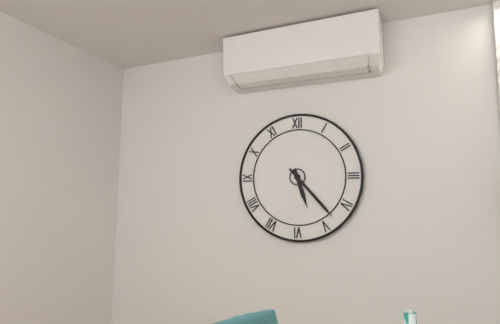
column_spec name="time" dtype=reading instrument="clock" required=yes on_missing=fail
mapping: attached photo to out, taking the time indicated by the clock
5:23
